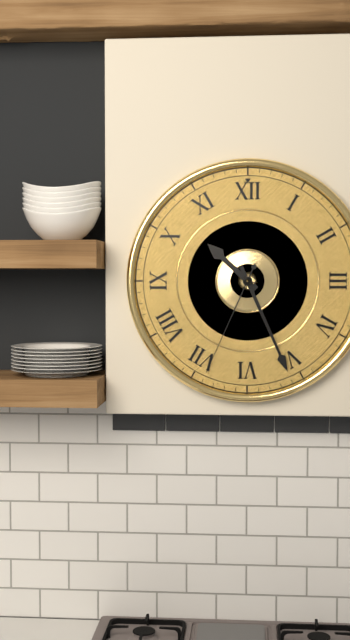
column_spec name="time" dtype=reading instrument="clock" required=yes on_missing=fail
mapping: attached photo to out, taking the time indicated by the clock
10:26:34
